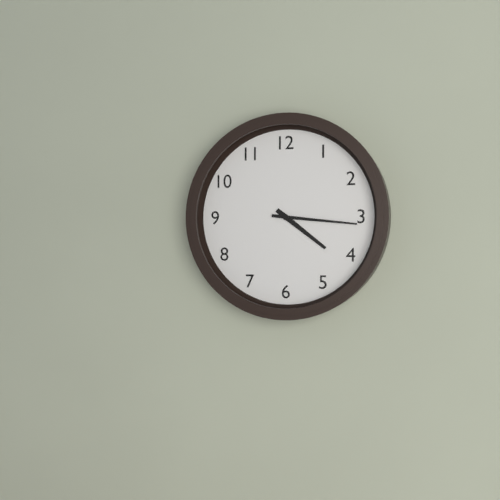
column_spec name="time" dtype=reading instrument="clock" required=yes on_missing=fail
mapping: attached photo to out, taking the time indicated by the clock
4:16
